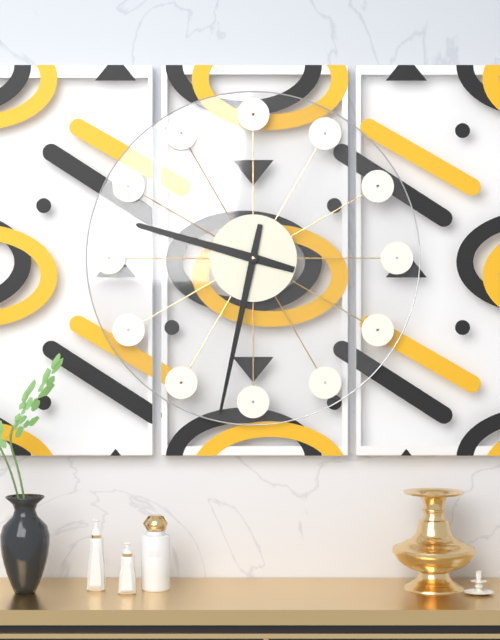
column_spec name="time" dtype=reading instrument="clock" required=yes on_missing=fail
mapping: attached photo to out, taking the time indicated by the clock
9:32
